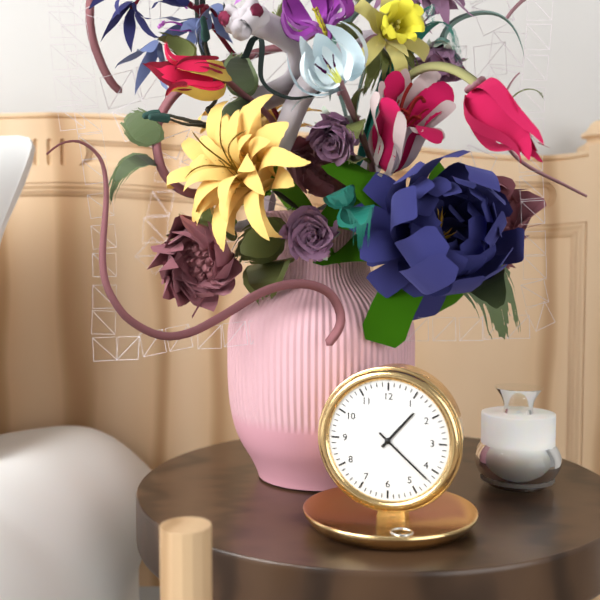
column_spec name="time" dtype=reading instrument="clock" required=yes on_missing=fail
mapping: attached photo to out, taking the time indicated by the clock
1:22
